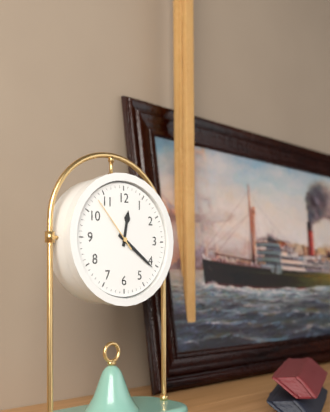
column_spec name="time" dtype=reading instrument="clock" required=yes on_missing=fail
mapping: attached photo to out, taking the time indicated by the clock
12:21:53
